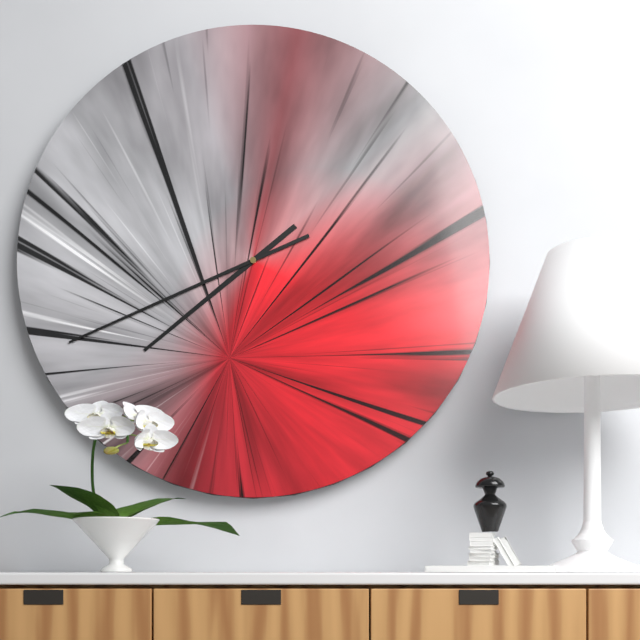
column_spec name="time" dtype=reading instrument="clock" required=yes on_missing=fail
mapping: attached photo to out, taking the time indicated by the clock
7:41
